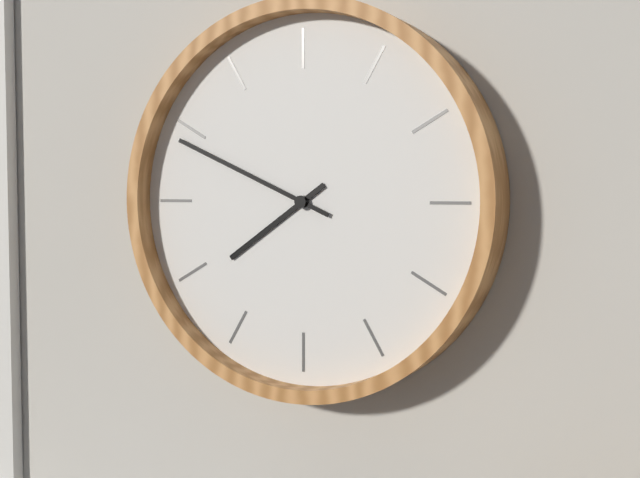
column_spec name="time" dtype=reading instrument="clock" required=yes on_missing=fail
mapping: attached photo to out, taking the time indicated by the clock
7:49
